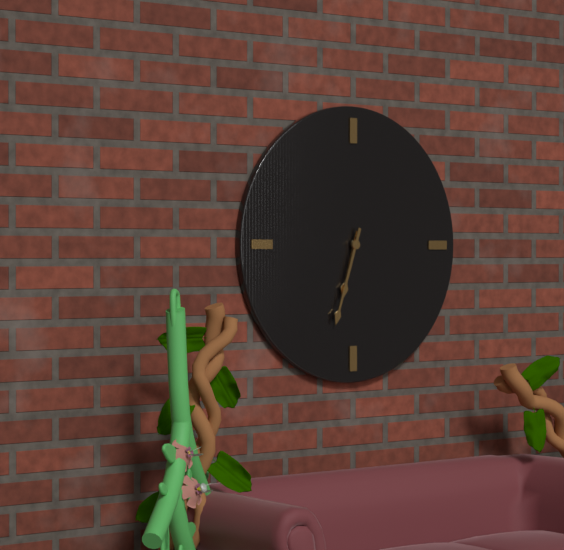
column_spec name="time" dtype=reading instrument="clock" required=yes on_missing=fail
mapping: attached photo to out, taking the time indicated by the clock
6:33
